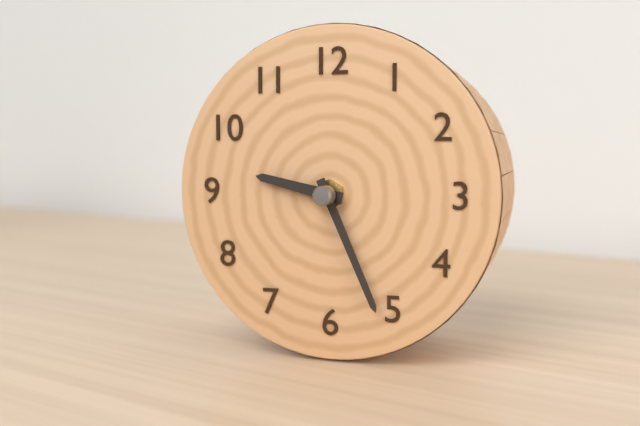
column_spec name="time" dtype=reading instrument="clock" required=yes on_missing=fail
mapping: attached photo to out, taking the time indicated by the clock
9:26
